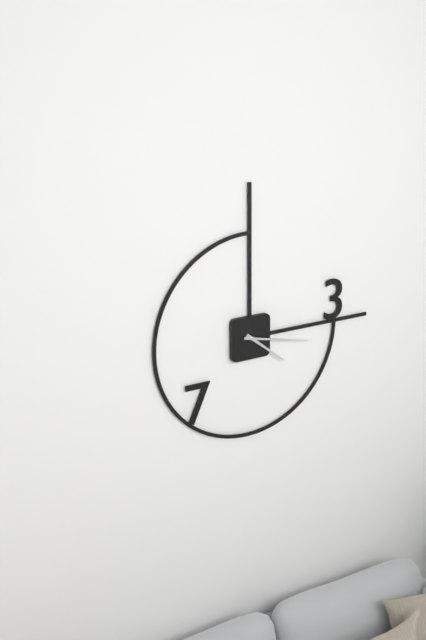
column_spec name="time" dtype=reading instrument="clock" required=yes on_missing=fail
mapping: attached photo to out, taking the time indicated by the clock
4:17
